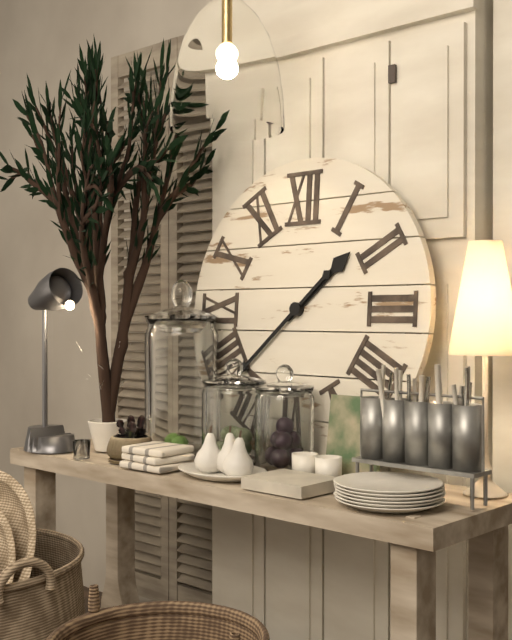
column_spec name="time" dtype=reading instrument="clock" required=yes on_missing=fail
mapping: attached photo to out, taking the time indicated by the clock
1:38
